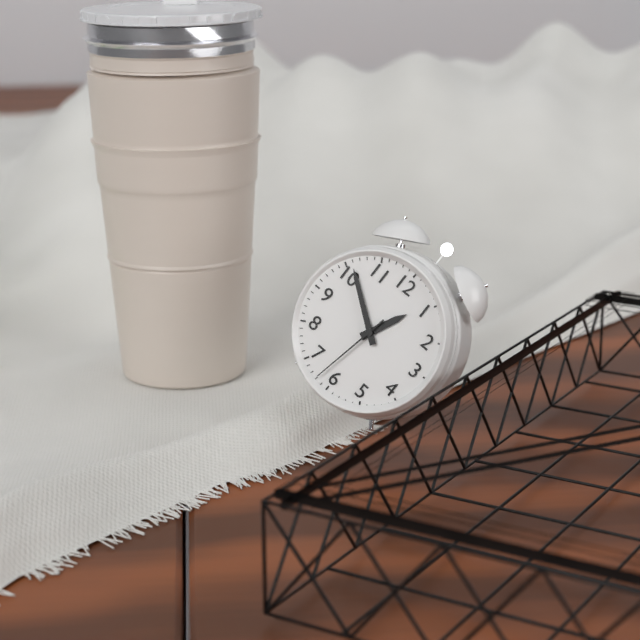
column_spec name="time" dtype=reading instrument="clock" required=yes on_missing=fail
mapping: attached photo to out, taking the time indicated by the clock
12:51:32
